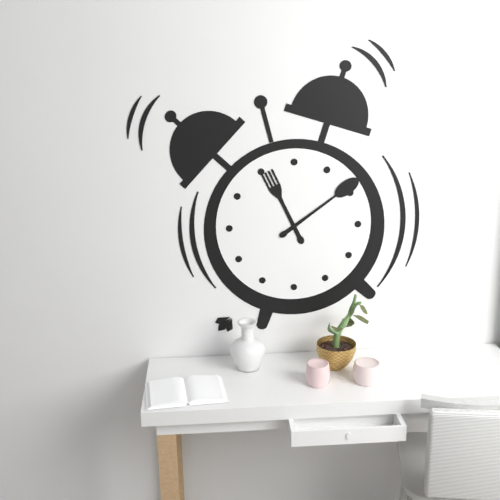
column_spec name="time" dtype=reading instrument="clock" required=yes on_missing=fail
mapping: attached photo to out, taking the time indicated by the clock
11:09
